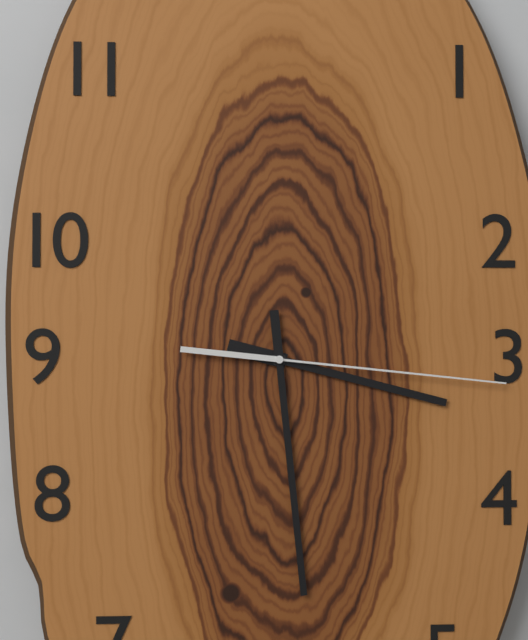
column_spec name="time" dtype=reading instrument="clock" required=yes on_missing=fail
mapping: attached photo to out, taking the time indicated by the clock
3:29:16
